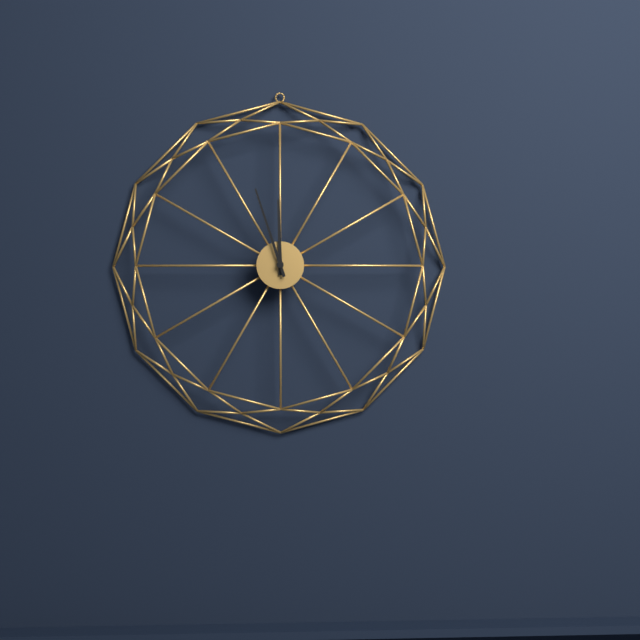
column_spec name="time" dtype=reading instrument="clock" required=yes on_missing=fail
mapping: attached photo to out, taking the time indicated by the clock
11:57
